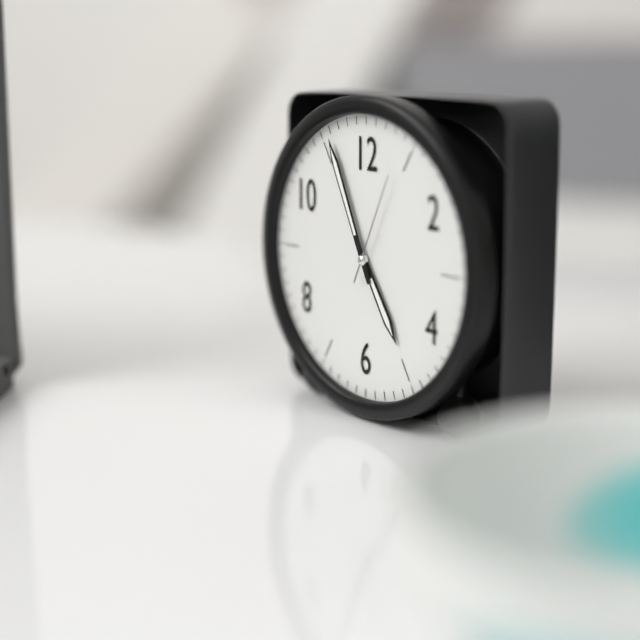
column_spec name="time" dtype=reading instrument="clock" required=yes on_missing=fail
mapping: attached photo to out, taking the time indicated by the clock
4:56:04
